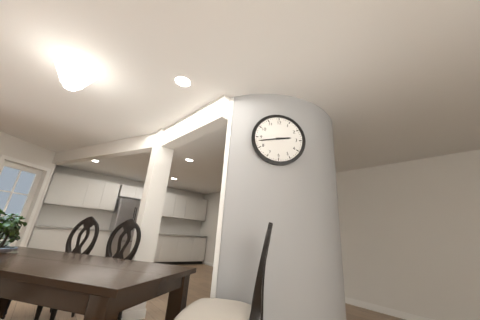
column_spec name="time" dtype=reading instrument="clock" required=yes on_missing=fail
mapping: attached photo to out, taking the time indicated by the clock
2:43
